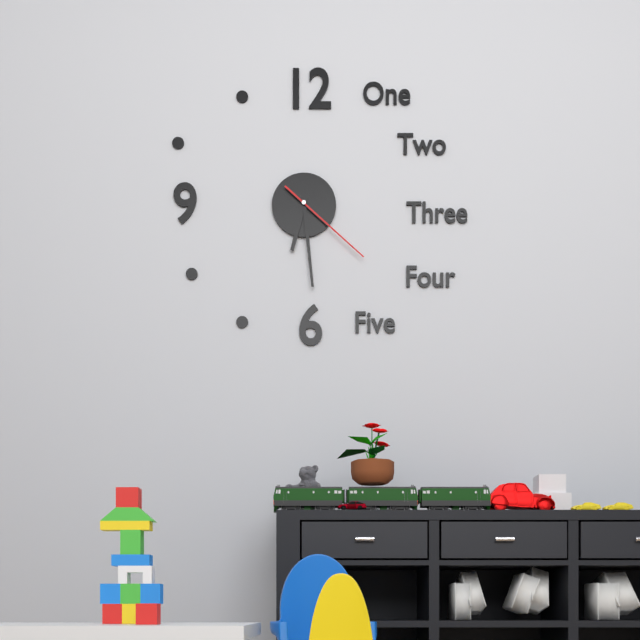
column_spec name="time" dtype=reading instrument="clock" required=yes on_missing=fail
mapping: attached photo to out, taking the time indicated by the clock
6:29:22
